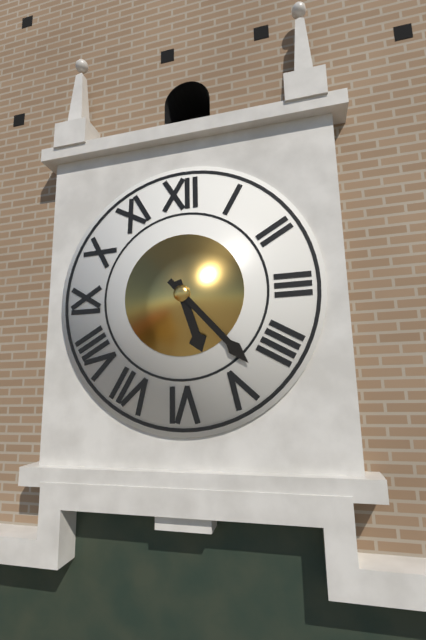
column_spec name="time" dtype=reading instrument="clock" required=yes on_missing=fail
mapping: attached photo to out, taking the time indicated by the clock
5:23
